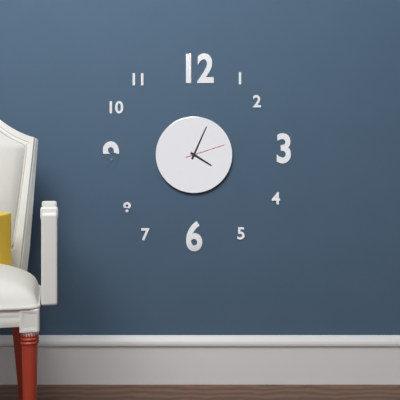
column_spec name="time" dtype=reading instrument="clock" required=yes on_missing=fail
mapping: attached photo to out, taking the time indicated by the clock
4:04
